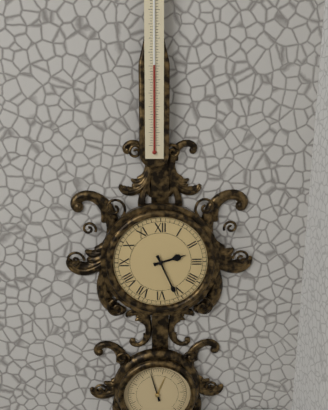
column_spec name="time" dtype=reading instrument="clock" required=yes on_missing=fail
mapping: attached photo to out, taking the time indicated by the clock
2:26
